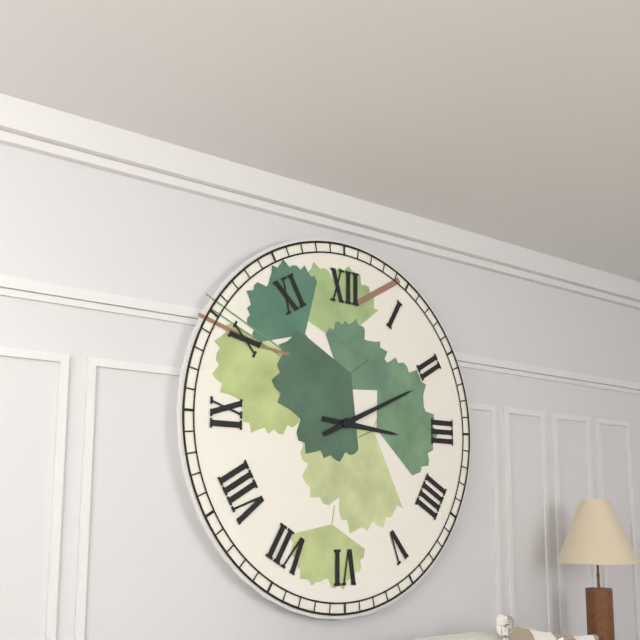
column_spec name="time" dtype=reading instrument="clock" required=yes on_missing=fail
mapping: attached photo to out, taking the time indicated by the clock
3:11
